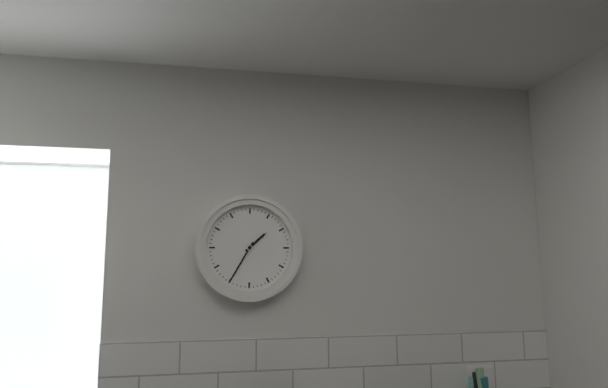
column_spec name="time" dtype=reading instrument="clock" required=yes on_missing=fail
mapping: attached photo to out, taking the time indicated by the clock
1:35
